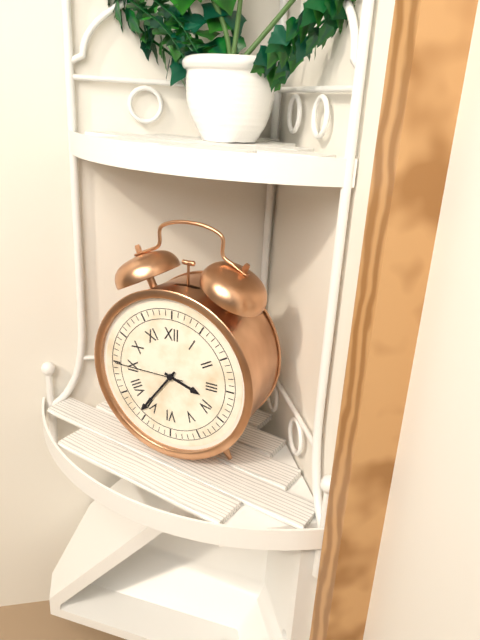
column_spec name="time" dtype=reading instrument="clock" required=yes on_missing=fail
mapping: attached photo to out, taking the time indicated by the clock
3:36:45
